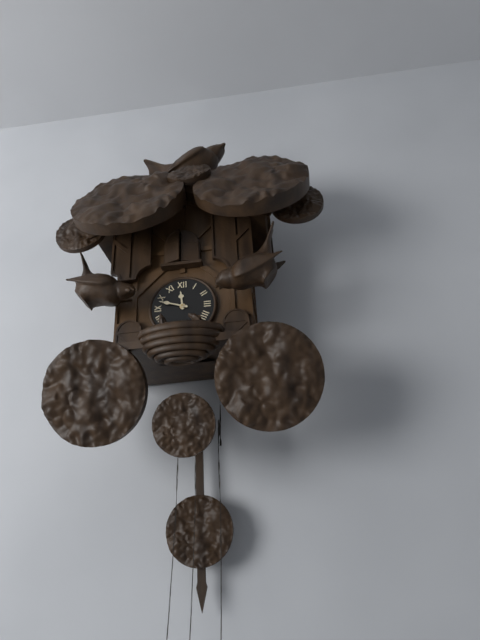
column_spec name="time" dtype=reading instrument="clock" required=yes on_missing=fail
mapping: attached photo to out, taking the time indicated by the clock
11:48
